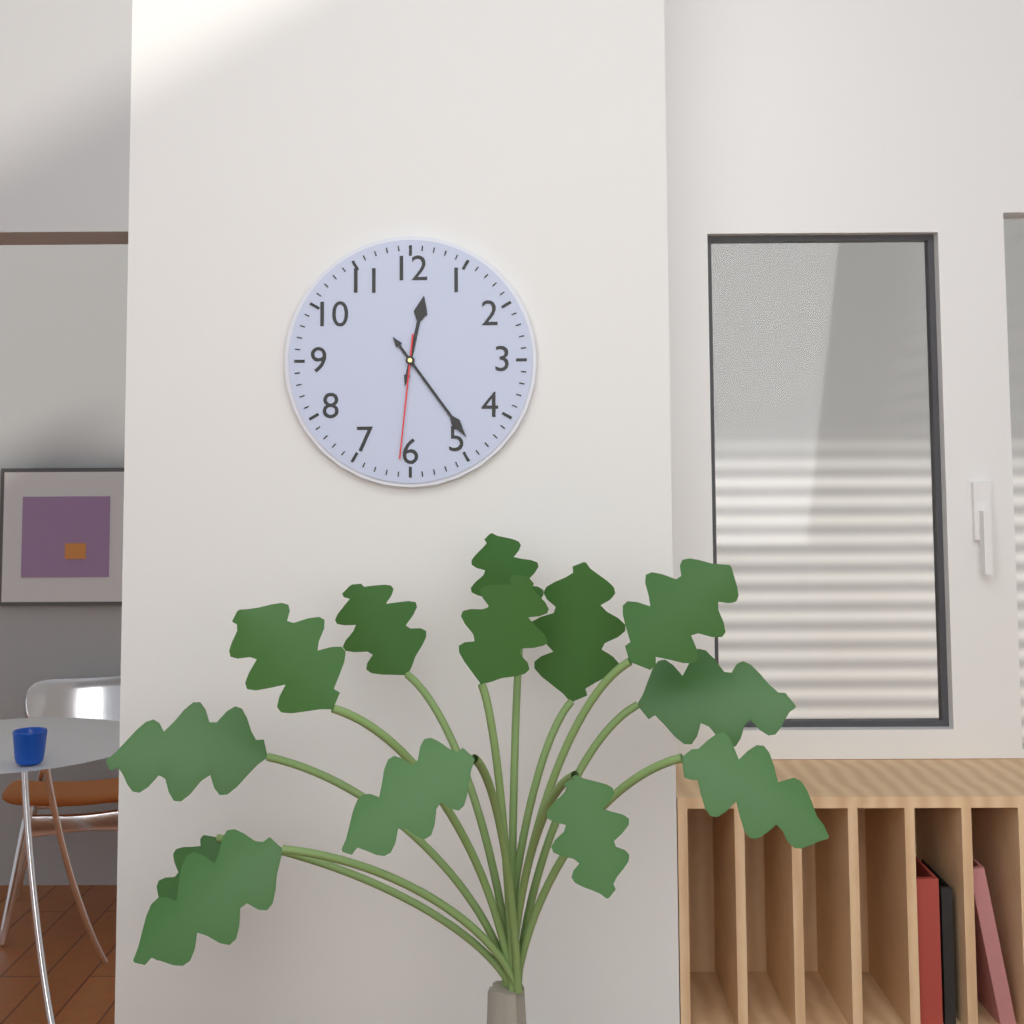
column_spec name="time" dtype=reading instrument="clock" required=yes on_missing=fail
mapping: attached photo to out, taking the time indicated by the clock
12:24:31
